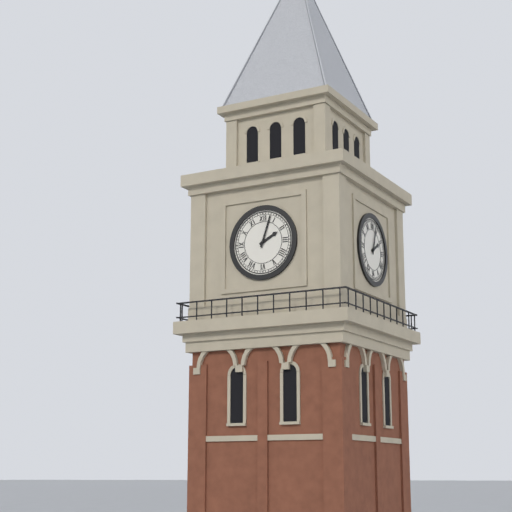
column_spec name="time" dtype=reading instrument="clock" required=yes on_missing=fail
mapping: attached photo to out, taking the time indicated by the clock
2:03
